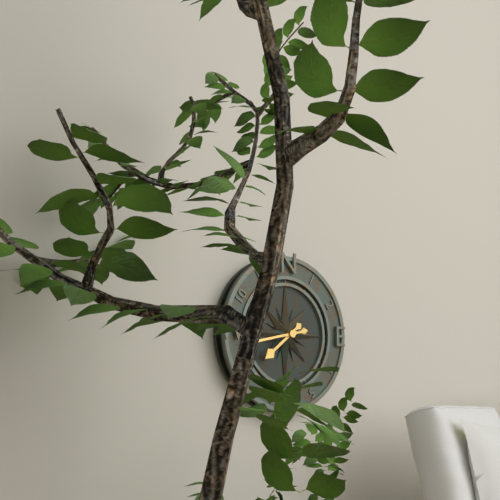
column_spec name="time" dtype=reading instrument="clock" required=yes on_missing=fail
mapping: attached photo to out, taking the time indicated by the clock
7:43
